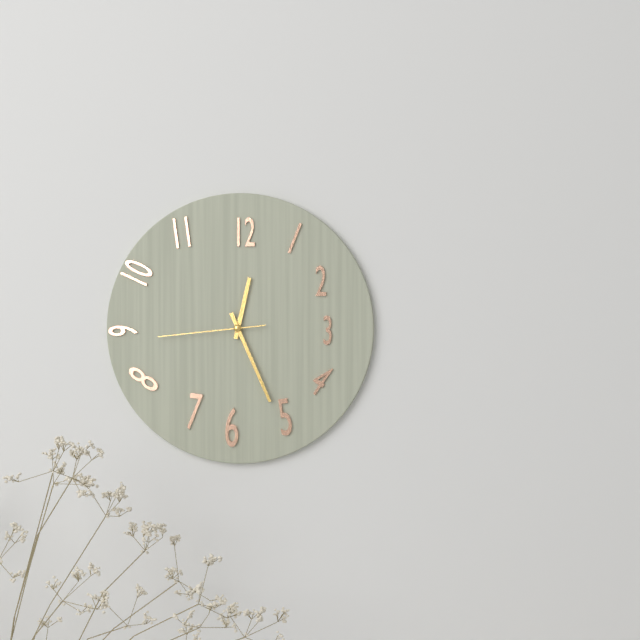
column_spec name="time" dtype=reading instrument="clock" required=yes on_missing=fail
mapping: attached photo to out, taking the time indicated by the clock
12:26:44
